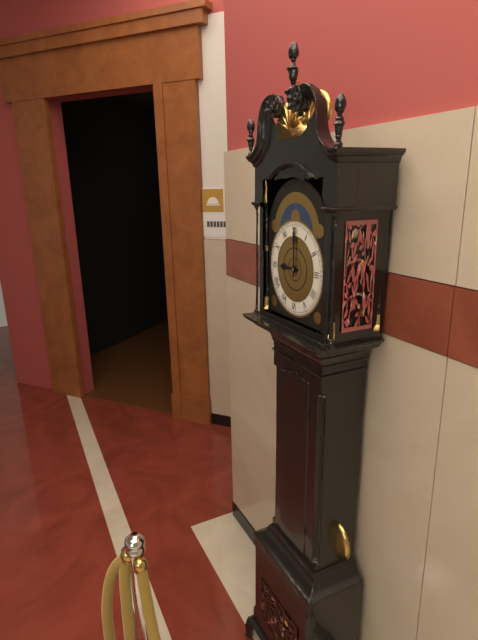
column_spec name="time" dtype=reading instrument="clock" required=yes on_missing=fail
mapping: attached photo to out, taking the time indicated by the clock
9:00
